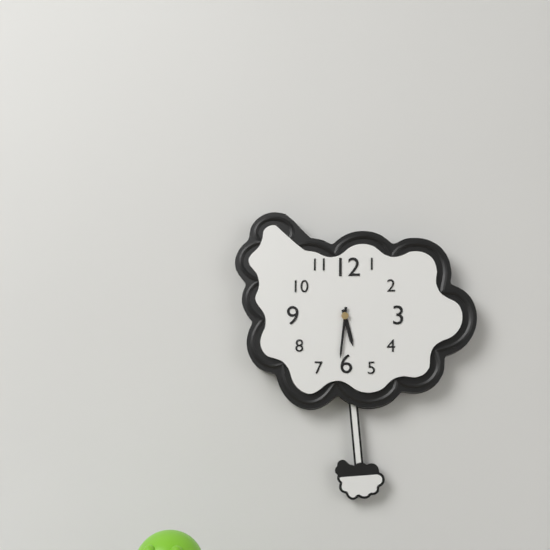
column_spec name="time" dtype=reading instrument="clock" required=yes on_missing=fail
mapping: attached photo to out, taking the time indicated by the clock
5:31
